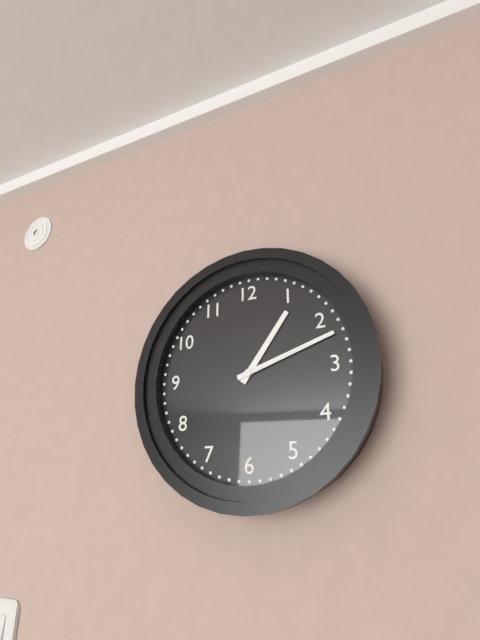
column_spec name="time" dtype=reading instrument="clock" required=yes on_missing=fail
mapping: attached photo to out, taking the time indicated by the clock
1:12
